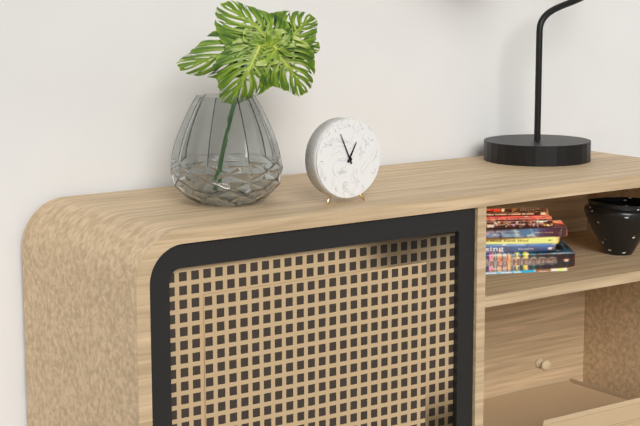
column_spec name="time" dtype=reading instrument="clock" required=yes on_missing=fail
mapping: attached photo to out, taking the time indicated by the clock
12:56
